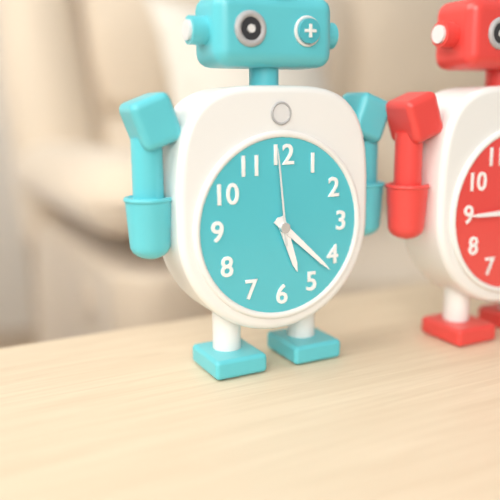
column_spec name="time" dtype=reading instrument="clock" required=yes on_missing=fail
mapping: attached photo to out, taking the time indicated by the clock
5:22:59
